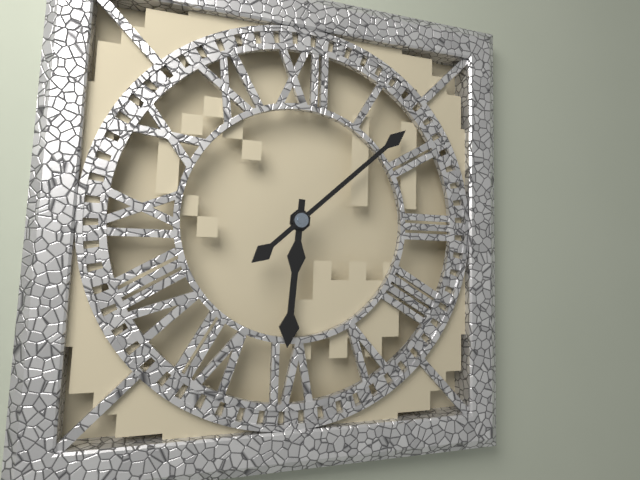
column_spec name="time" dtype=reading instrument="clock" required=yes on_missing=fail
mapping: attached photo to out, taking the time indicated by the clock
6:08
